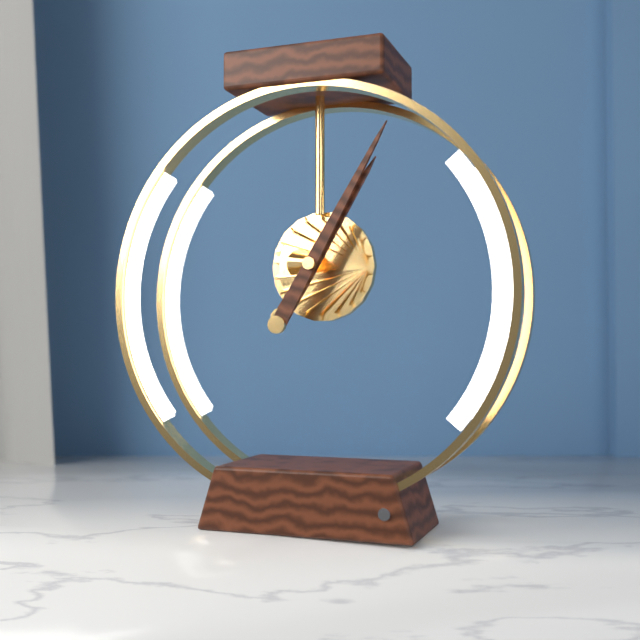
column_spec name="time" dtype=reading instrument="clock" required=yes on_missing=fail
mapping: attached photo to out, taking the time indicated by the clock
1:05
